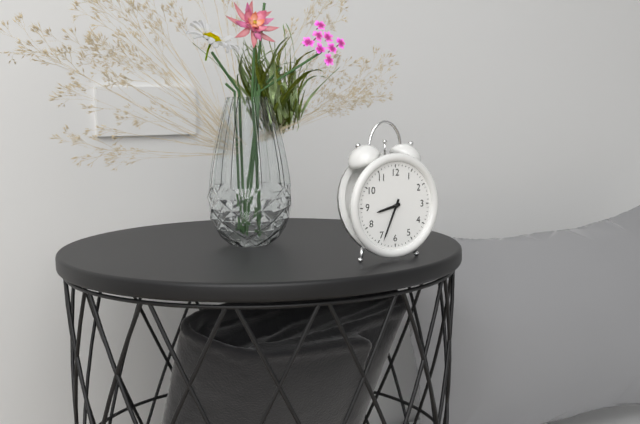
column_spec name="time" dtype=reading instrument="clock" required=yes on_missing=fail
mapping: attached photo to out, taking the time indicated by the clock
8:34
